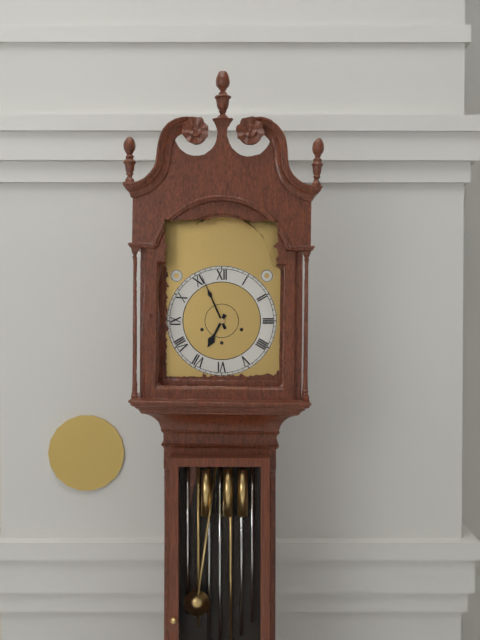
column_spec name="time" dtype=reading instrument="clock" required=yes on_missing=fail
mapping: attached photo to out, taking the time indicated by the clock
6:56
